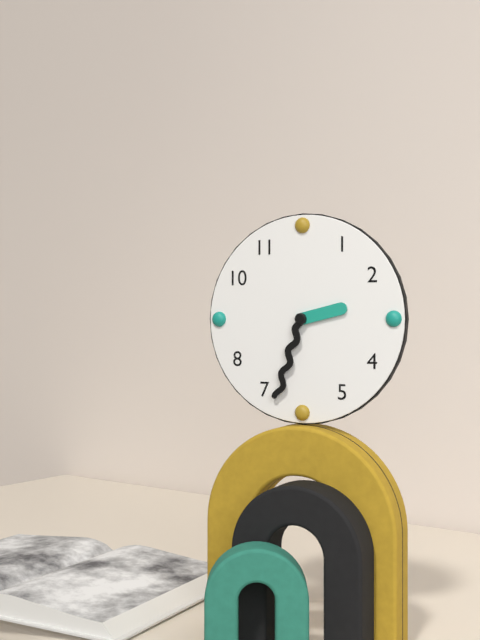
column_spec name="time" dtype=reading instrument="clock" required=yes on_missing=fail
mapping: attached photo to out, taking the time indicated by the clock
2:33
